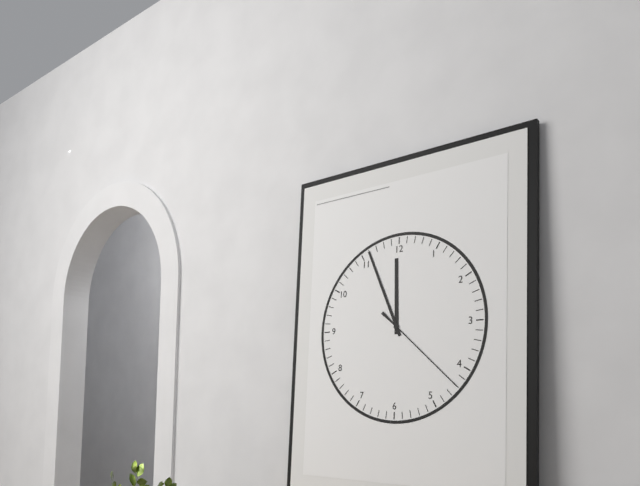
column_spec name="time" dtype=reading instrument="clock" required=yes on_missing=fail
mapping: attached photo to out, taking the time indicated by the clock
11:56:22
